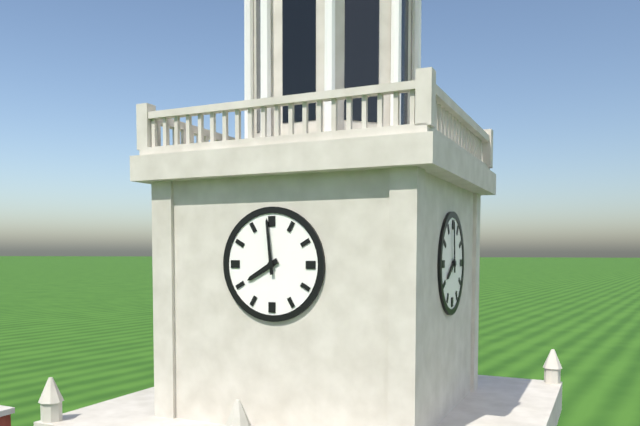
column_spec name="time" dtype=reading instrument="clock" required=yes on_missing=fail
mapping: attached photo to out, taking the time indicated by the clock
7:59
